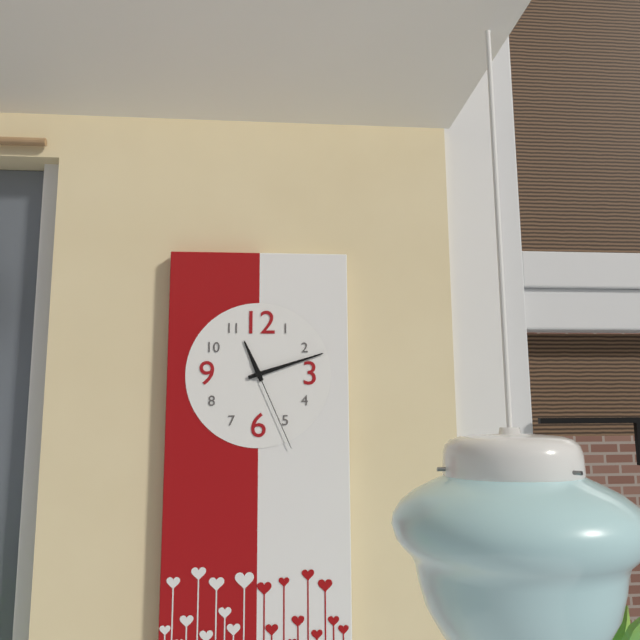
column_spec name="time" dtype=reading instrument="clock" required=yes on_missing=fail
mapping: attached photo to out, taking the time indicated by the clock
11:12:26
